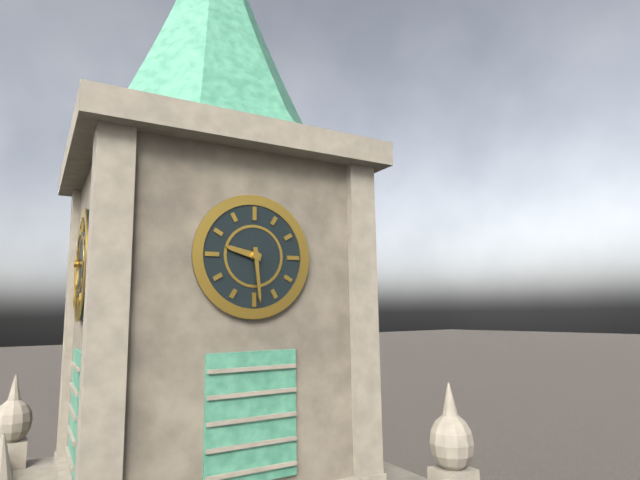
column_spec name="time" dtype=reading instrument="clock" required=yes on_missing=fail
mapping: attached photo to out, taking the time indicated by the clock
9:29
